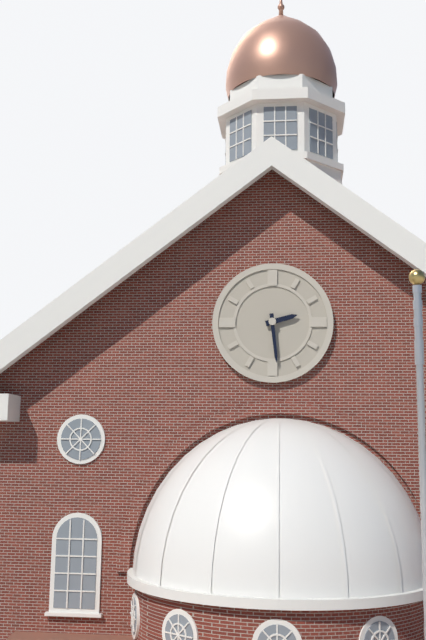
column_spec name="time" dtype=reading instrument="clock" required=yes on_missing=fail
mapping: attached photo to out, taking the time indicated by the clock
2:29
